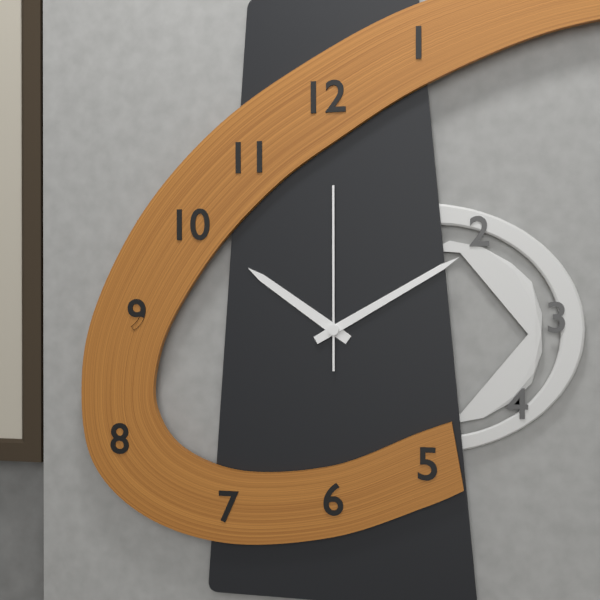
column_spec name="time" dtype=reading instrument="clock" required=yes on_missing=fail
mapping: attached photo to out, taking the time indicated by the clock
10:10:00
